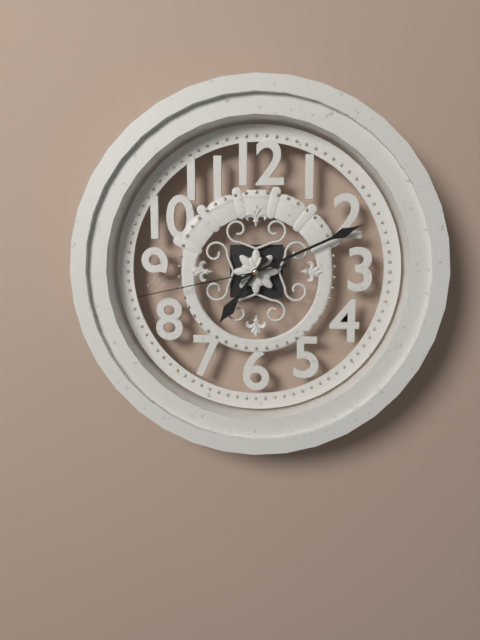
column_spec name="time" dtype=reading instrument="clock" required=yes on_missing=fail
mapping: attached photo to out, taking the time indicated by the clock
7:11:43
